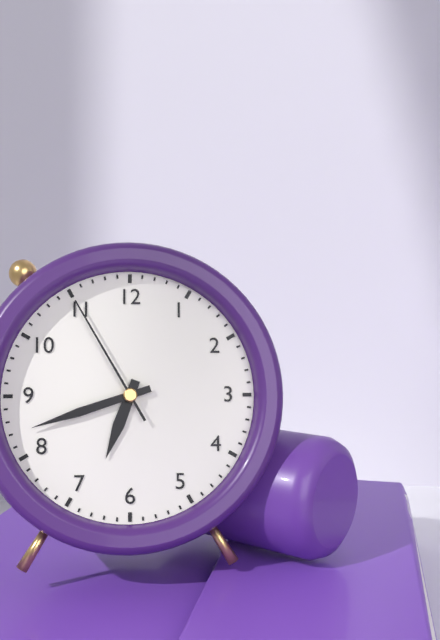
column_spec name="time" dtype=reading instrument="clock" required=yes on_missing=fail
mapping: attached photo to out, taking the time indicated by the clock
6:42:55
